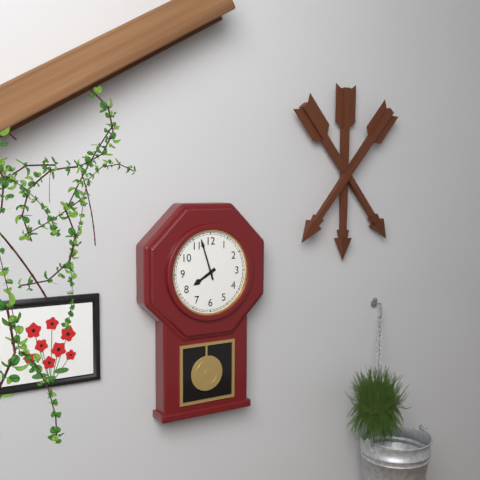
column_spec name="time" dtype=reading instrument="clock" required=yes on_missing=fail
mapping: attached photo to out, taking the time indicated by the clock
7:57
